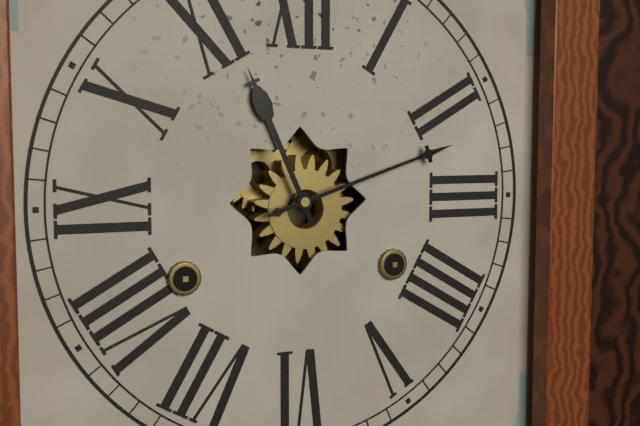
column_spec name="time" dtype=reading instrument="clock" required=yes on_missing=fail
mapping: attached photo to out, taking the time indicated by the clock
11:12
